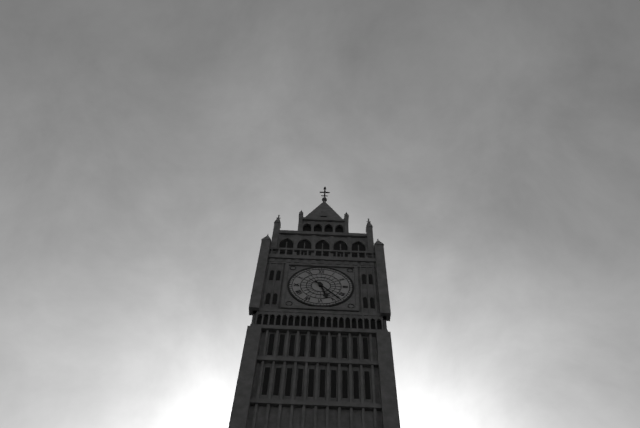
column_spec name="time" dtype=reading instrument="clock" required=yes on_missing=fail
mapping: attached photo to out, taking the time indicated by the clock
5:23
